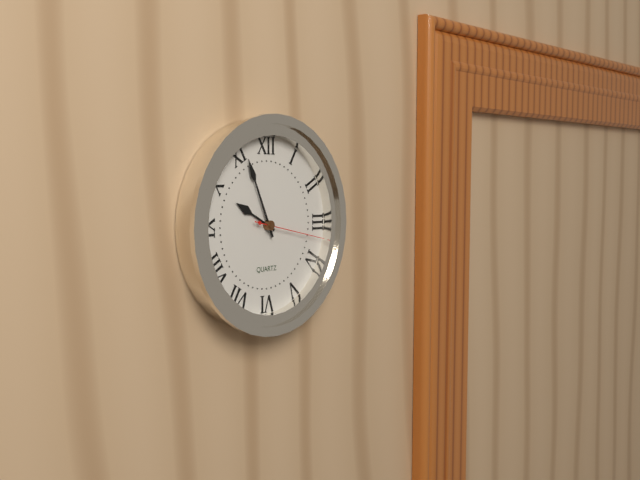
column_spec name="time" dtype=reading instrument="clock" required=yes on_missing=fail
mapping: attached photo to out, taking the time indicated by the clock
9:56:17
